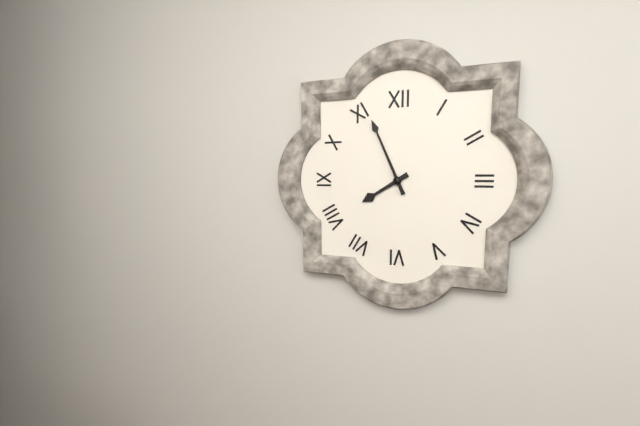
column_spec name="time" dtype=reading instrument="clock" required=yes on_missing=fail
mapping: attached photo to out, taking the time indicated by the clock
7:56
